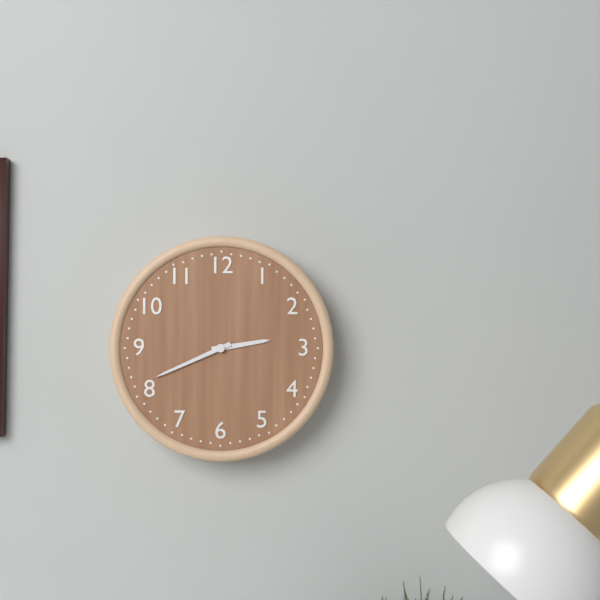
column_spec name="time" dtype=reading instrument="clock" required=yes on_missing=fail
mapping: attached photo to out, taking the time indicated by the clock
2:41
